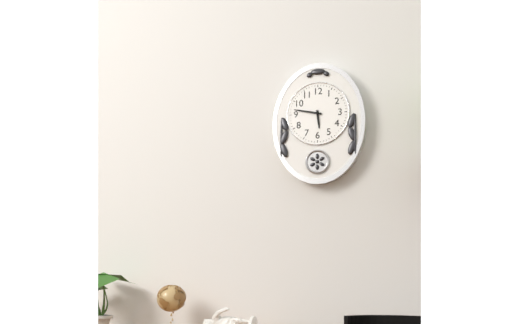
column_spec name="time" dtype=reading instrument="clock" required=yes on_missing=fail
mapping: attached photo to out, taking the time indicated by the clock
5:47
